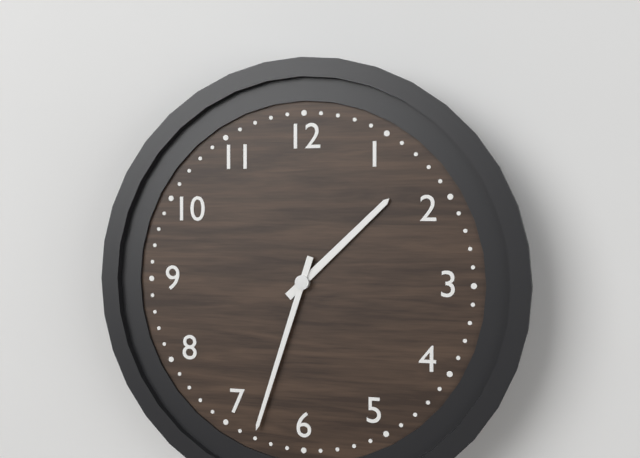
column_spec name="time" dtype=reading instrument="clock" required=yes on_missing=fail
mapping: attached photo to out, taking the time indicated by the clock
1:33
